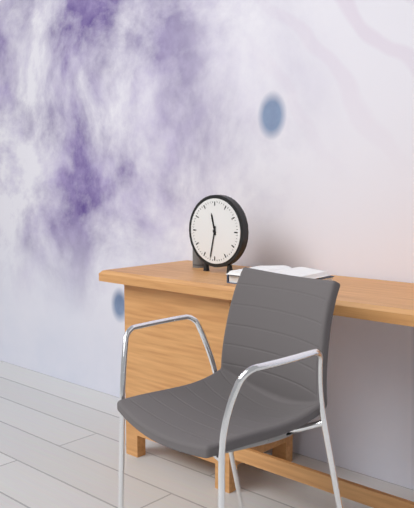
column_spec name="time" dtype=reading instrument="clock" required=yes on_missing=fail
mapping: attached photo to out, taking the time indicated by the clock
11:32
